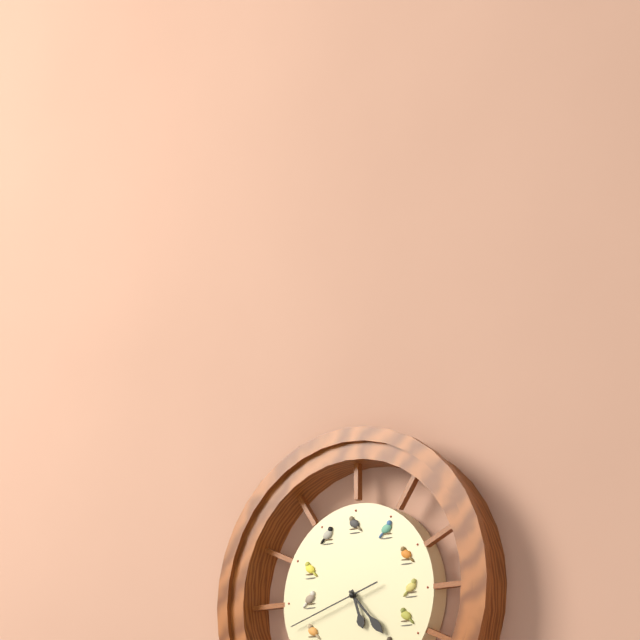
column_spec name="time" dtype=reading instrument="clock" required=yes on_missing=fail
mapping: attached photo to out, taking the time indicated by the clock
5:23:42
